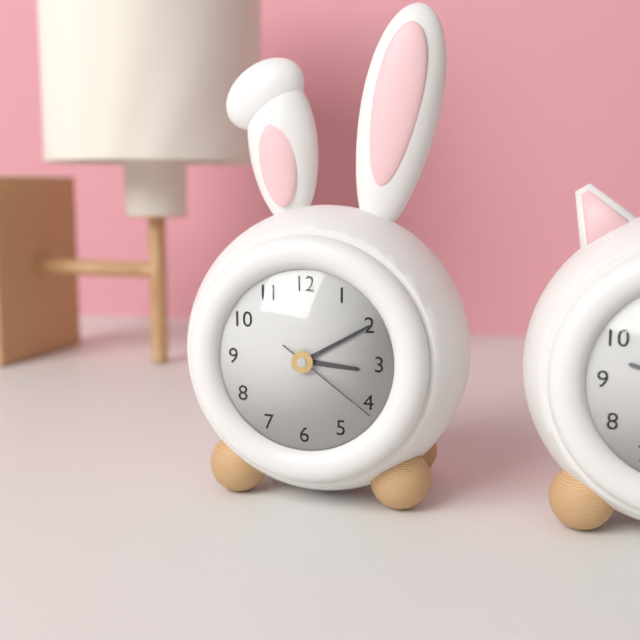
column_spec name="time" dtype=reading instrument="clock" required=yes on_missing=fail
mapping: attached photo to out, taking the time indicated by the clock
3:10:21
